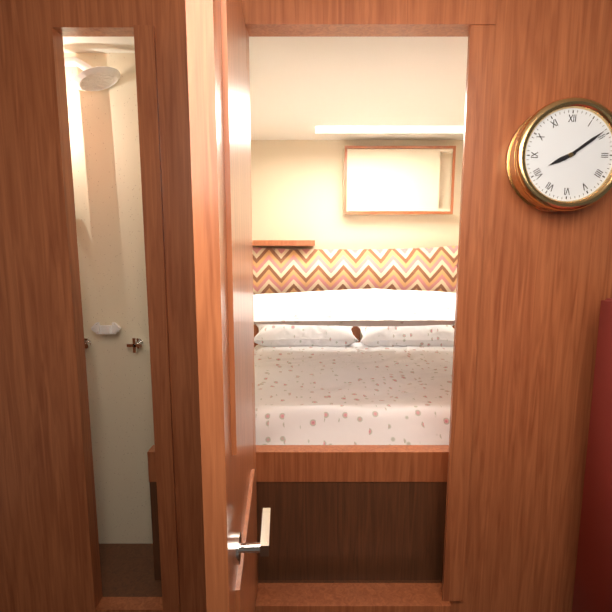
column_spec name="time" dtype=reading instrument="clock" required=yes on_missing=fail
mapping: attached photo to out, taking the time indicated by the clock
8:09
